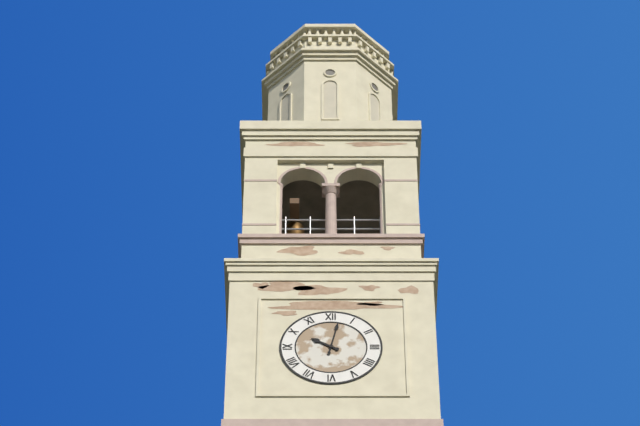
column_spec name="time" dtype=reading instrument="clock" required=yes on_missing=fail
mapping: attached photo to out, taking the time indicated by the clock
10:02
